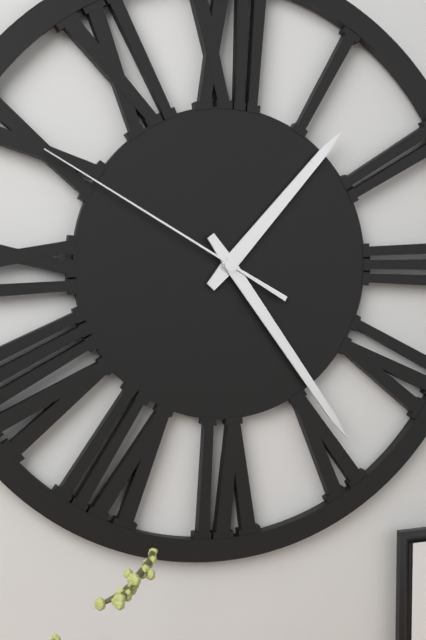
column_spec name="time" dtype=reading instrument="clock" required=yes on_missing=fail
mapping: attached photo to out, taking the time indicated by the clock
1:24:50
